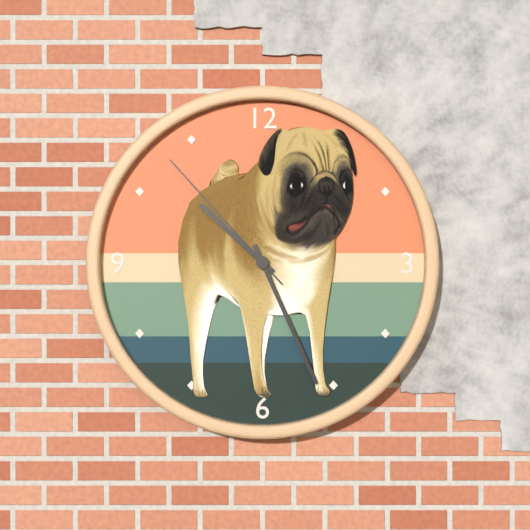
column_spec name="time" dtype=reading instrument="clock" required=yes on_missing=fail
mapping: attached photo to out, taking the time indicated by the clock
10:26:53
